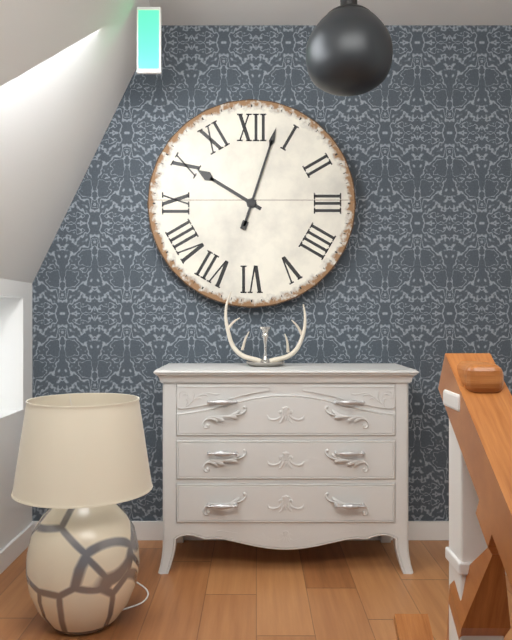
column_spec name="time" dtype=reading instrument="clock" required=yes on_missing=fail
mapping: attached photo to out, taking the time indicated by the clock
10:03
